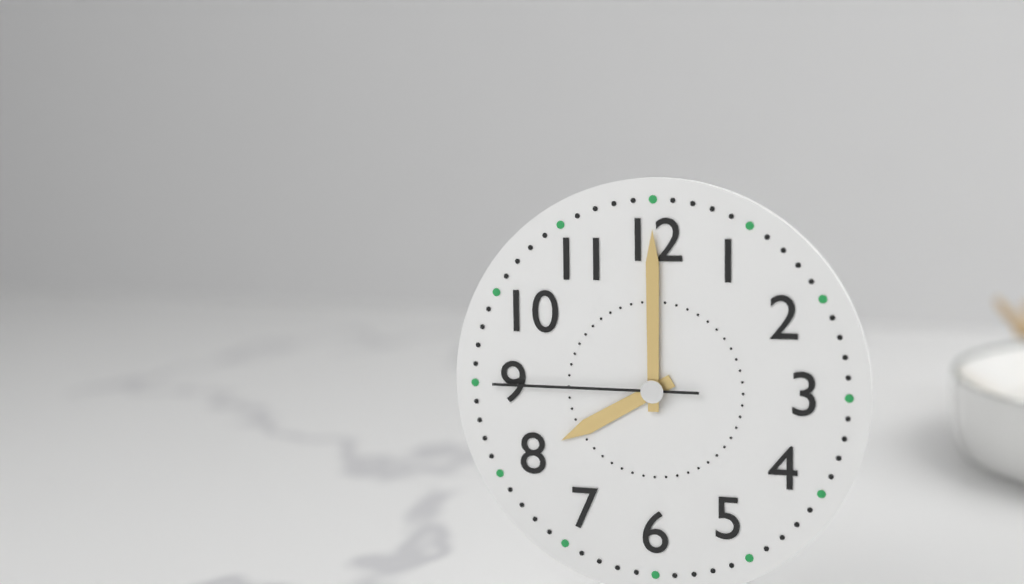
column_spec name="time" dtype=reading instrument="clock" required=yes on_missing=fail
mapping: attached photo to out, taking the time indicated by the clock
8:00:45
